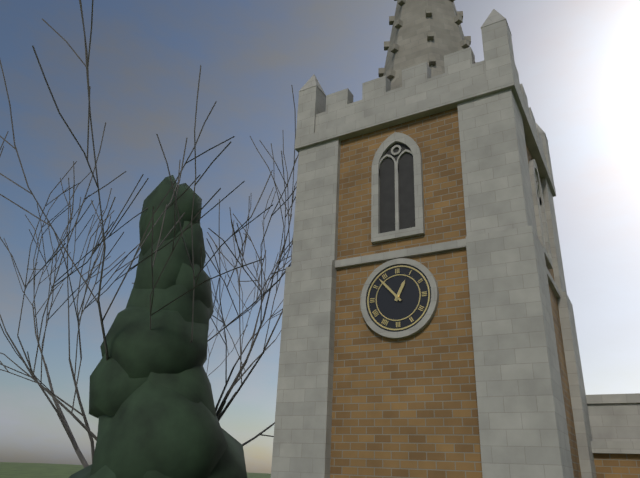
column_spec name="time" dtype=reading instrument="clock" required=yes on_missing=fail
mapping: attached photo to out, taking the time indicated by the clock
12:53
